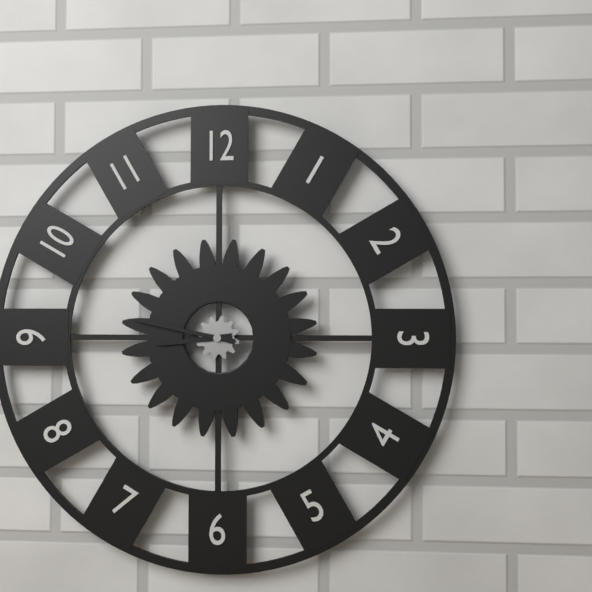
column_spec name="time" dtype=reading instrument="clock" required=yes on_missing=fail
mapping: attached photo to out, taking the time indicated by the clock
8:47
